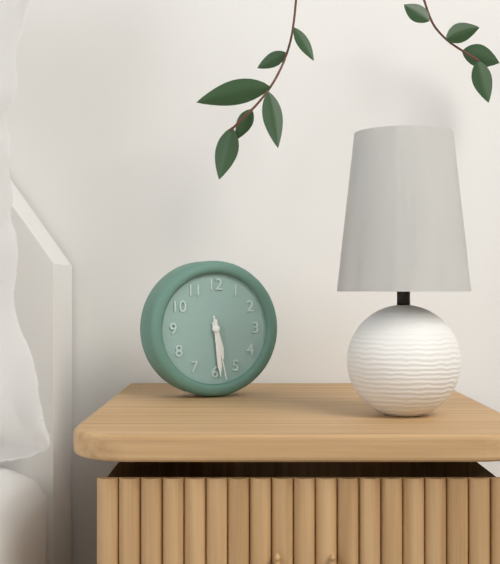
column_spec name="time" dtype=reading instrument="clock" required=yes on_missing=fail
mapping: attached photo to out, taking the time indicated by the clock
5:29:28
